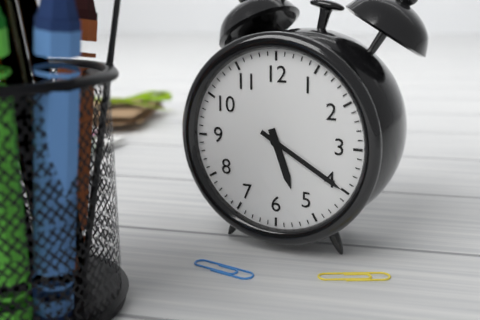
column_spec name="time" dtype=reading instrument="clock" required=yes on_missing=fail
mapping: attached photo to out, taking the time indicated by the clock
5:20
